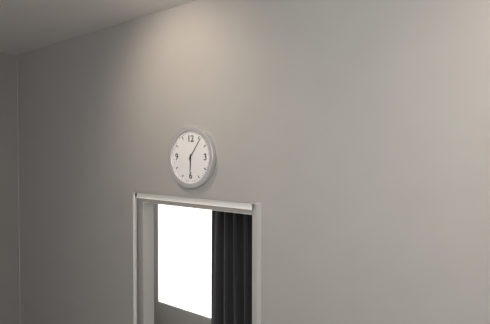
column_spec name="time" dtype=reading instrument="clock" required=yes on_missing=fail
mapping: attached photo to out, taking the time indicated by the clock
6:06
